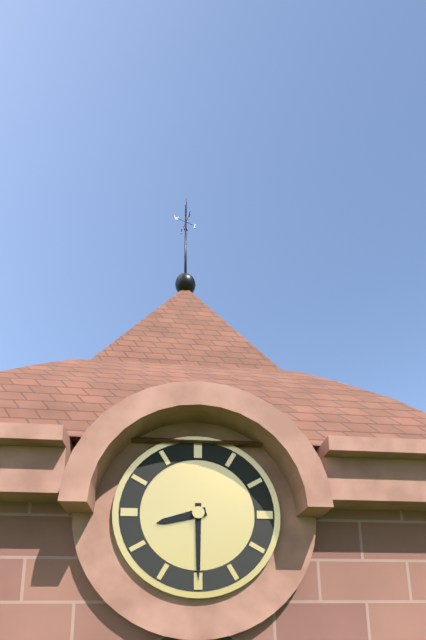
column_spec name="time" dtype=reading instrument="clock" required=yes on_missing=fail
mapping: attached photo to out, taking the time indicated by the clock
8:30
